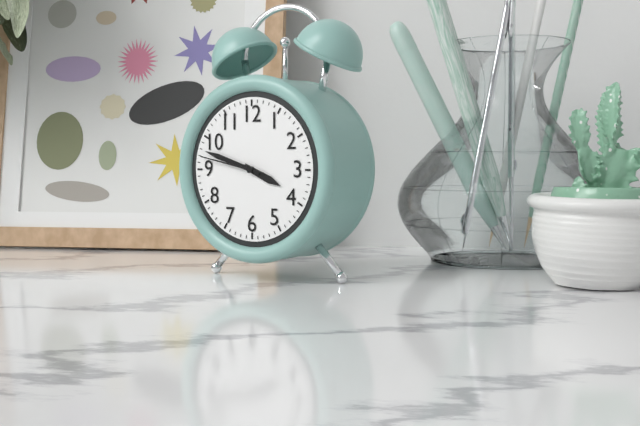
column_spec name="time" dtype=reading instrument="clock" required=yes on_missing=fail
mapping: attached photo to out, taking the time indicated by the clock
3:48:47
